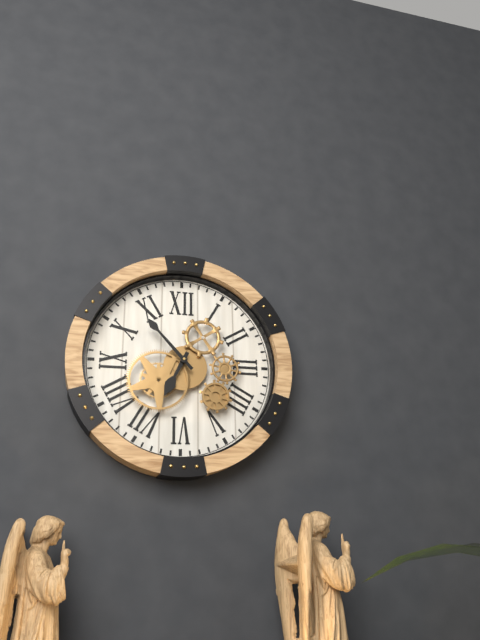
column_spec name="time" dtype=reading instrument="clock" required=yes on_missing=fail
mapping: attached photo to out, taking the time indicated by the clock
6:53
